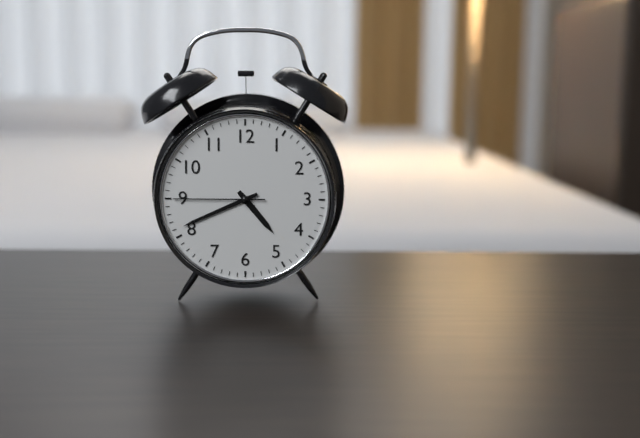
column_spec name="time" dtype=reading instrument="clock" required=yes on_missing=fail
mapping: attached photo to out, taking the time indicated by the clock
4:41:45
